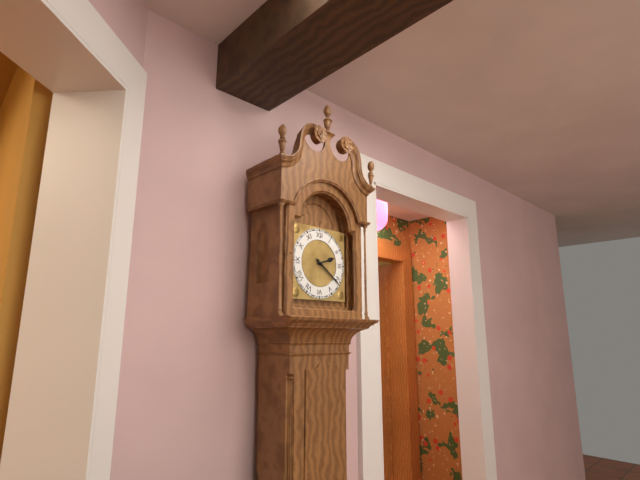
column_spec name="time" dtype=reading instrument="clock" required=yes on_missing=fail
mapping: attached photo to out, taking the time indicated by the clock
2:21
